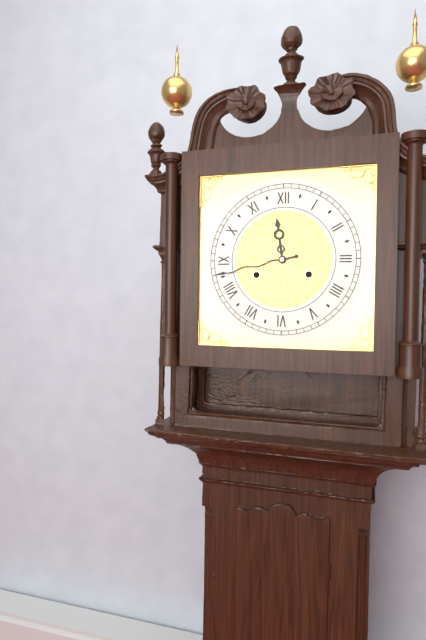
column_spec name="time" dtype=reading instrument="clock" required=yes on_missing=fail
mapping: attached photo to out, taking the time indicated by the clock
11:43
